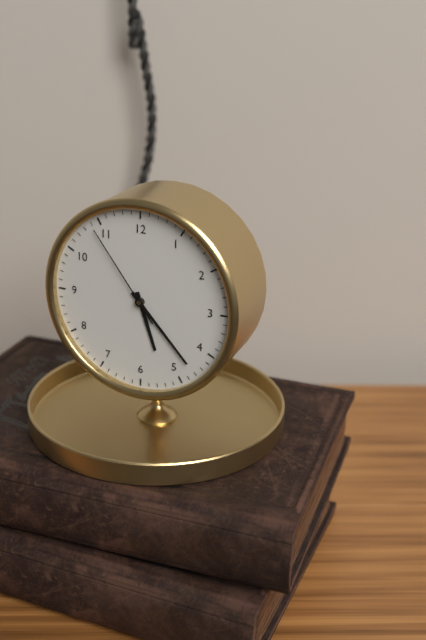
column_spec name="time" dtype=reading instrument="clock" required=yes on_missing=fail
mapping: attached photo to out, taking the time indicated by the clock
5:23:54
